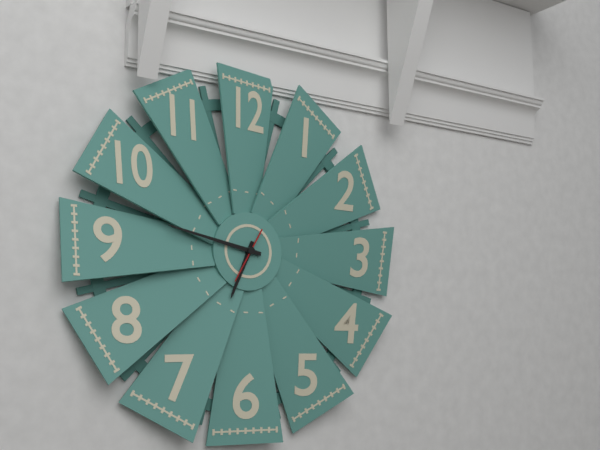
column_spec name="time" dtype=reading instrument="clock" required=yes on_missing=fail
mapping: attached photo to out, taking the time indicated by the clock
6:47
